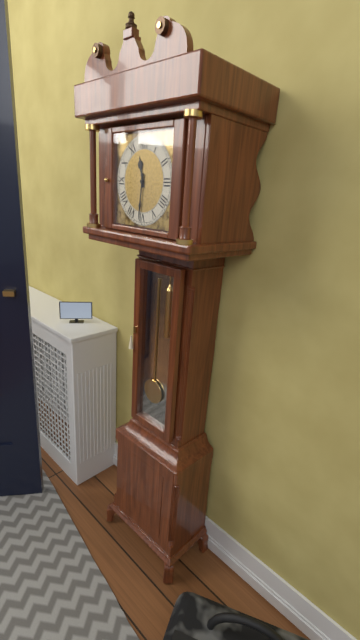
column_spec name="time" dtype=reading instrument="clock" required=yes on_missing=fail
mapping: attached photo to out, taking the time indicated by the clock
11:31
